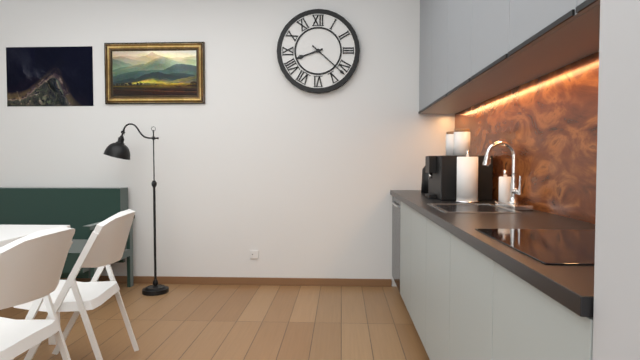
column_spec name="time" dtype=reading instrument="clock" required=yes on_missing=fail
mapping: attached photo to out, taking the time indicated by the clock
8:22
